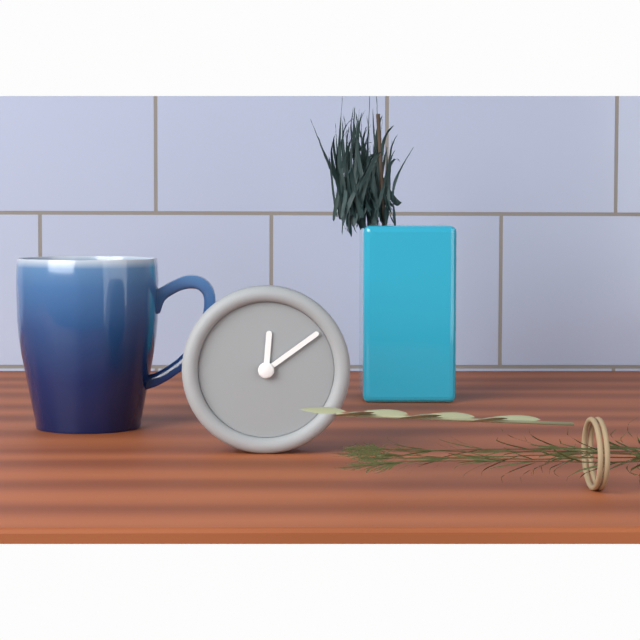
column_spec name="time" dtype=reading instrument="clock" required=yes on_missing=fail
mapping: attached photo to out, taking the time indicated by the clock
12:09
